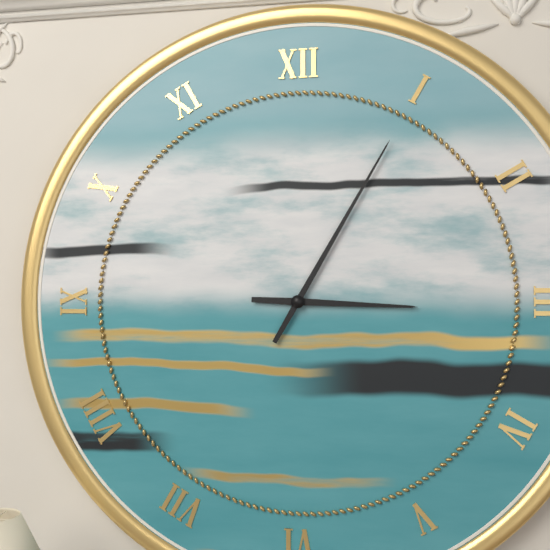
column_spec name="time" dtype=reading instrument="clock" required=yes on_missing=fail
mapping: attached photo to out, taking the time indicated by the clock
3:05
